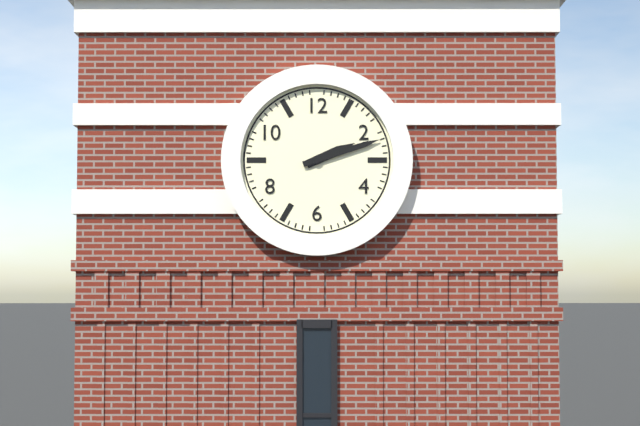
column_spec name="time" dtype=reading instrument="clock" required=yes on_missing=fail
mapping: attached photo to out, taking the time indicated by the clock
2:12
